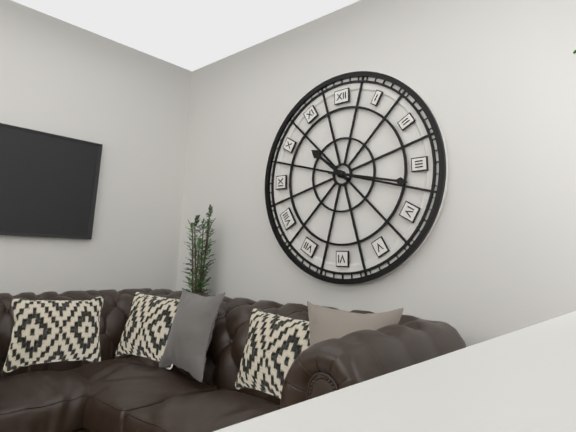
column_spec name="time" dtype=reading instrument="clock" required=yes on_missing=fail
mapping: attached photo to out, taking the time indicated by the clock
10:17
